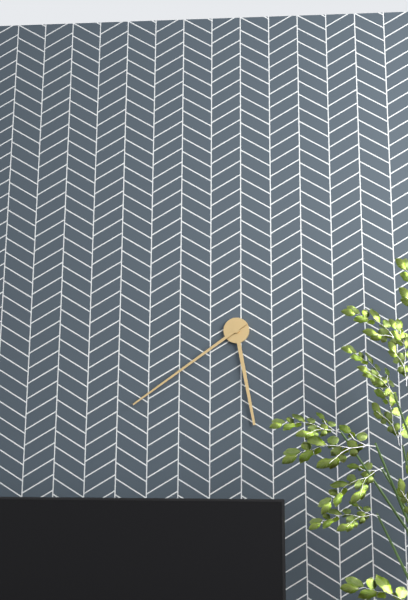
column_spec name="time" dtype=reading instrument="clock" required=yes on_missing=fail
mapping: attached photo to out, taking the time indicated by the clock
5:39
